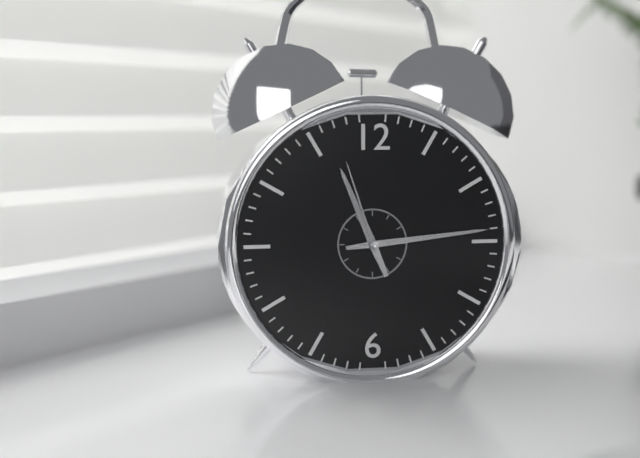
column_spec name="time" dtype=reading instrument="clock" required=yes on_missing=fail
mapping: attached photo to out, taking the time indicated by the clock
11:14:57
